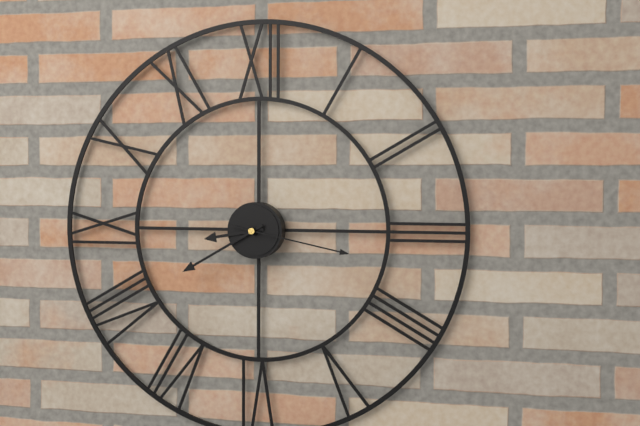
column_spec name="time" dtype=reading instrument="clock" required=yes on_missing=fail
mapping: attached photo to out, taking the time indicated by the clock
8:40:17
